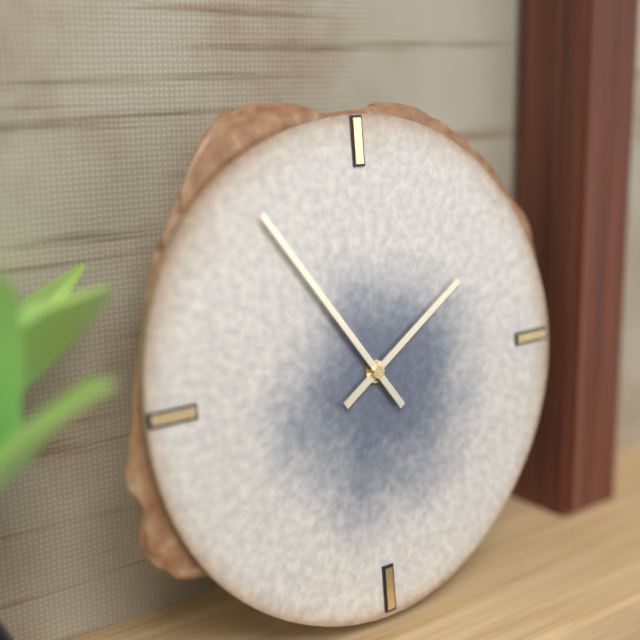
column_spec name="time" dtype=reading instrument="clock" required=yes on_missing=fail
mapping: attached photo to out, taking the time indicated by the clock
1:54
